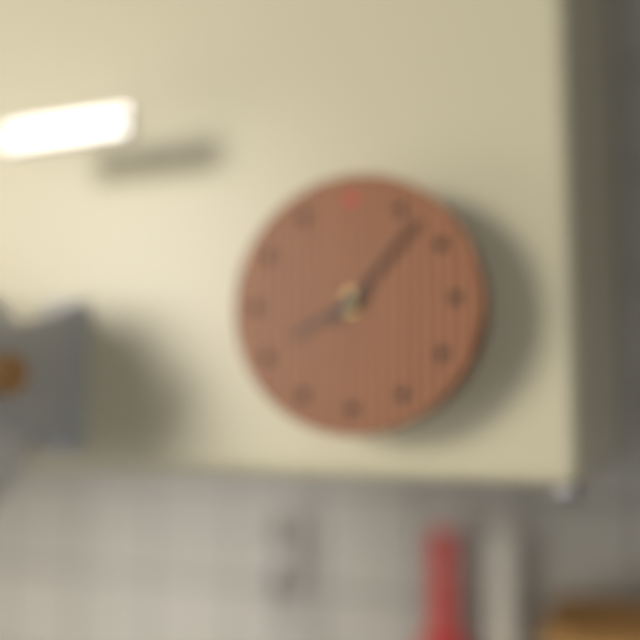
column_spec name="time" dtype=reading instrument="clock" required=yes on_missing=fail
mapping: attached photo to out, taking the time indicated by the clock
8:07
